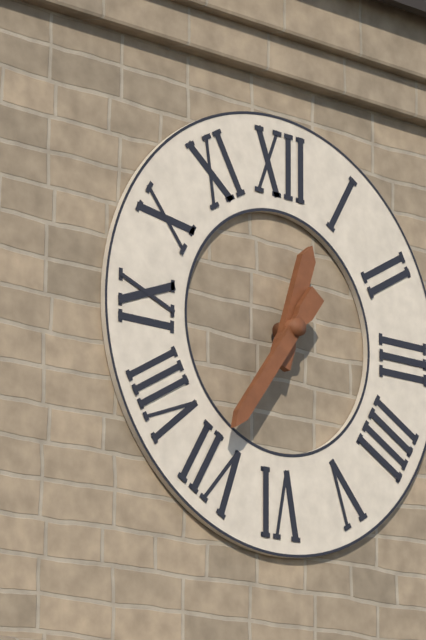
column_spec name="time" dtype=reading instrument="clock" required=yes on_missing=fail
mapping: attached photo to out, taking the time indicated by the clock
12:36
